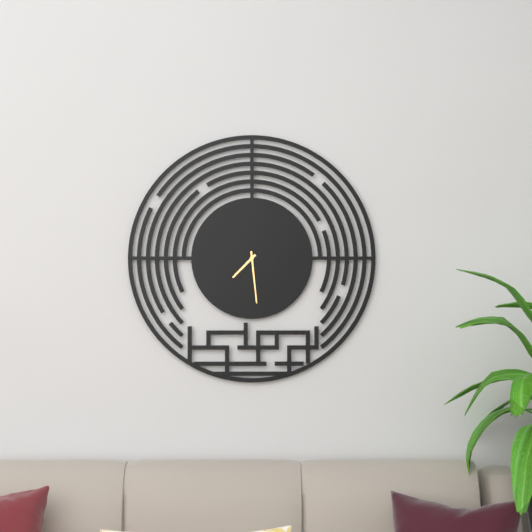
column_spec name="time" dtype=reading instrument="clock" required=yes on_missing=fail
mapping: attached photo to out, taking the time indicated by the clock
7:29
